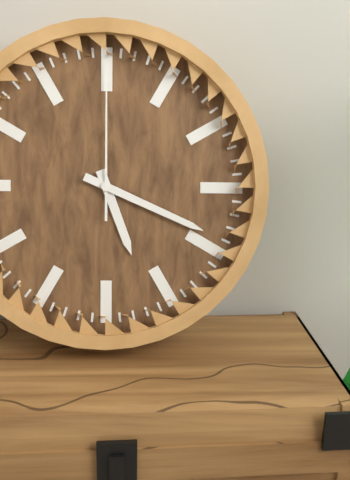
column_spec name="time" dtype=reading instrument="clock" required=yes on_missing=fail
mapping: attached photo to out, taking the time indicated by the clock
5:19:00
